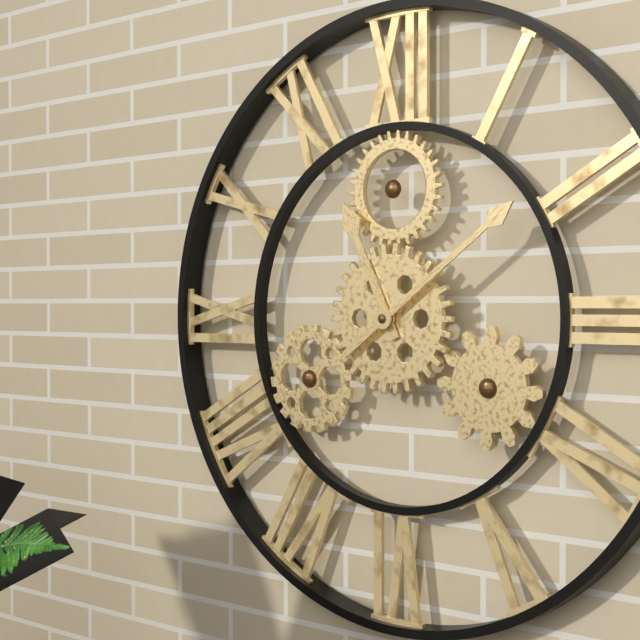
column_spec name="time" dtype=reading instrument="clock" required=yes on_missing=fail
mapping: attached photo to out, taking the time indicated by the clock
11:09
